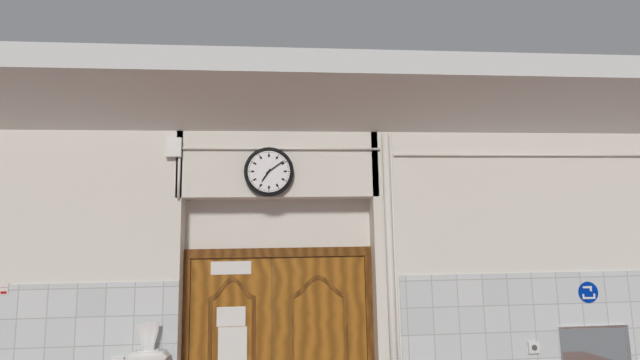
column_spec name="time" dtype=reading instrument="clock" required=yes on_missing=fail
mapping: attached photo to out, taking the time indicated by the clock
7:09
